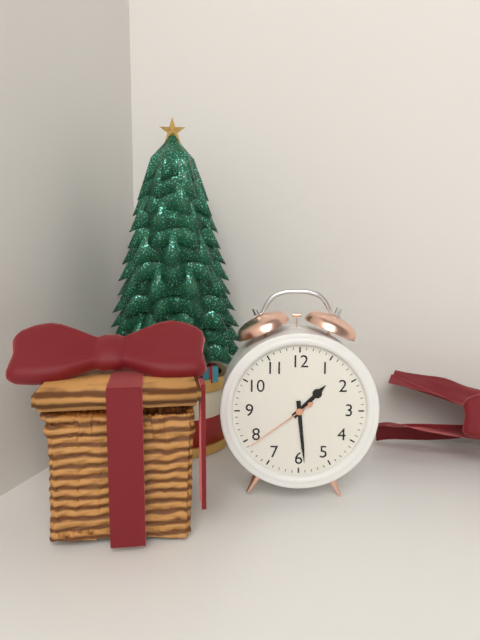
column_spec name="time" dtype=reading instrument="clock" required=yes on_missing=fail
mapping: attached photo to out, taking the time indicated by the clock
1:29:39
